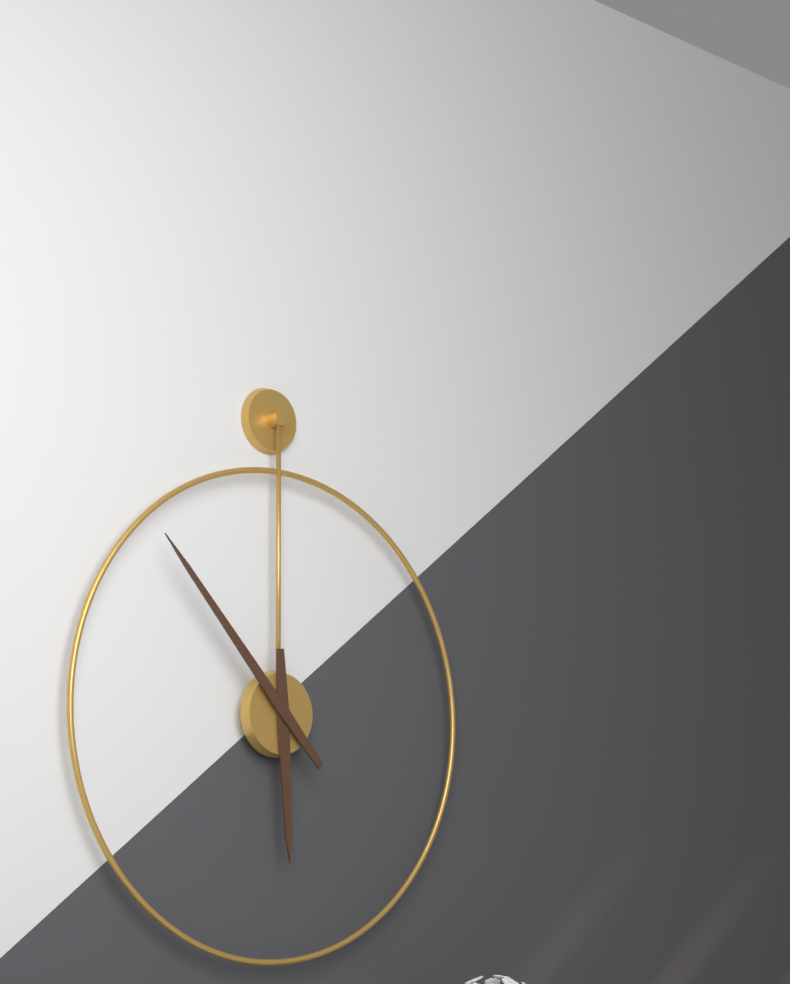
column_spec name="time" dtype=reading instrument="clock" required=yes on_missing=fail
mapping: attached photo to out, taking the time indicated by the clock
5:53
